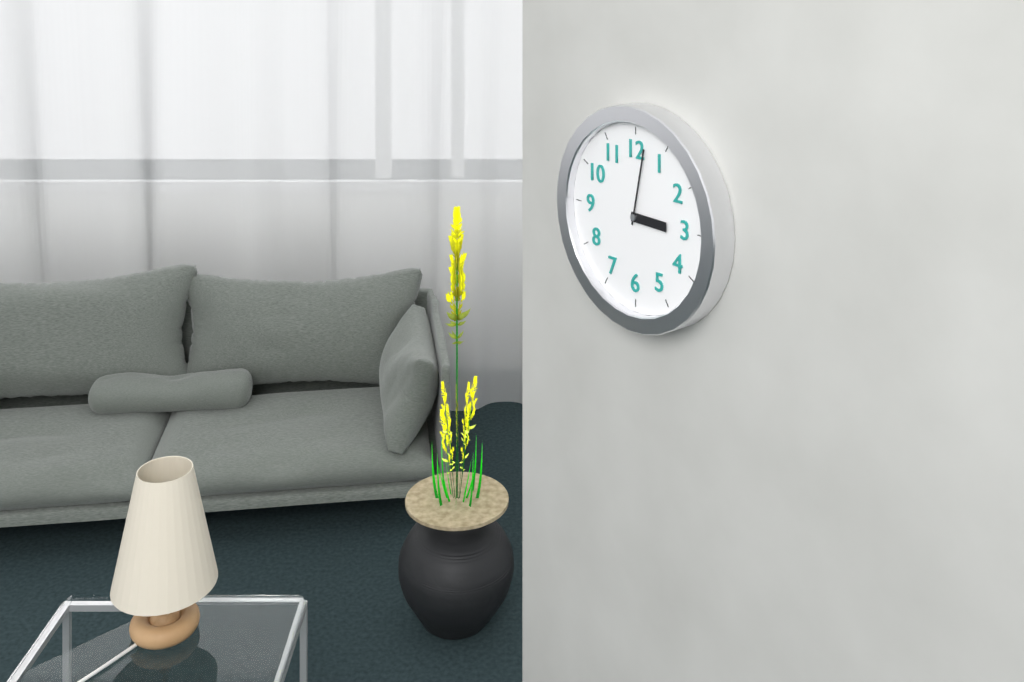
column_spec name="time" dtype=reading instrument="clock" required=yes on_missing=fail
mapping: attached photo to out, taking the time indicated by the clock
3:02
